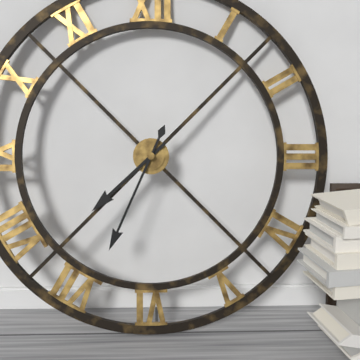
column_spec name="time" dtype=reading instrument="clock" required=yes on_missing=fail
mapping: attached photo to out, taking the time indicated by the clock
7:34
